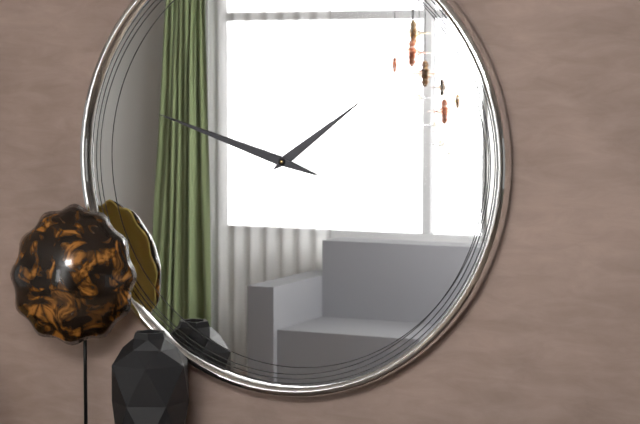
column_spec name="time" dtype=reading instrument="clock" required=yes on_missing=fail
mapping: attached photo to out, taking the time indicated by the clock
1:48
